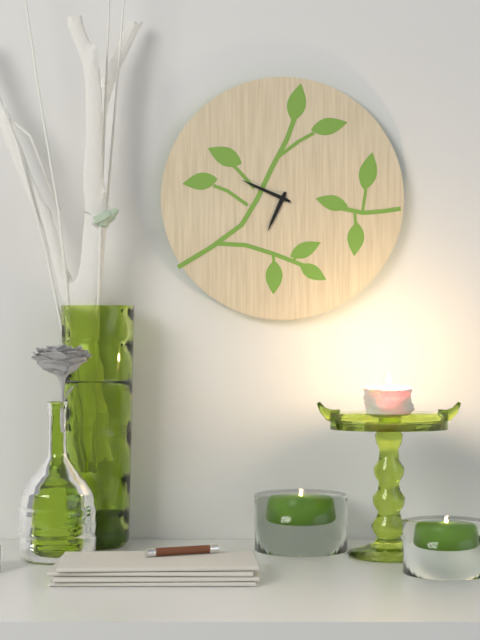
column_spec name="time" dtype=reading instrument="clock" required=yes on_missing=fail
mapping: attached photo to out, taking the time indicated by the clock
6:49
